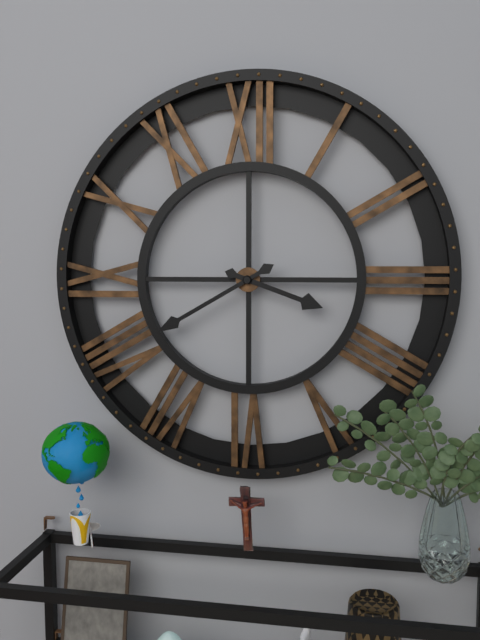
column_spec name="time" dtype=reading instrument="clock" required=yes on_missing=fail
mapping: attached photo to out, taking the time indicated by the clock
3:40
